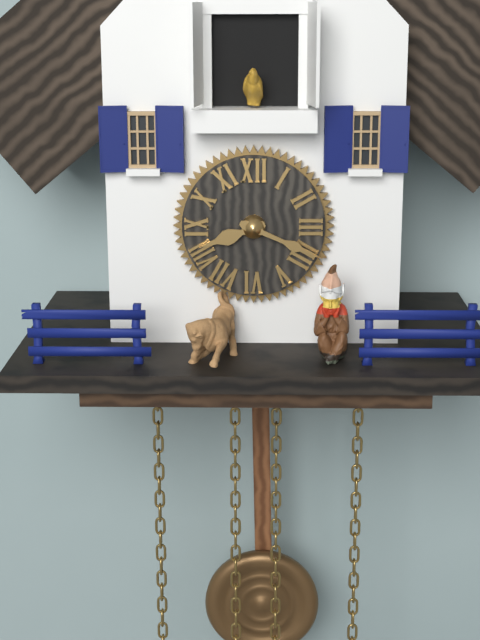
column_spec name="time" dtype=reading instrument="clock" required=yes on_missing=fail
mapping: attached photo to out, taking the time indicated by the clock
8:19
